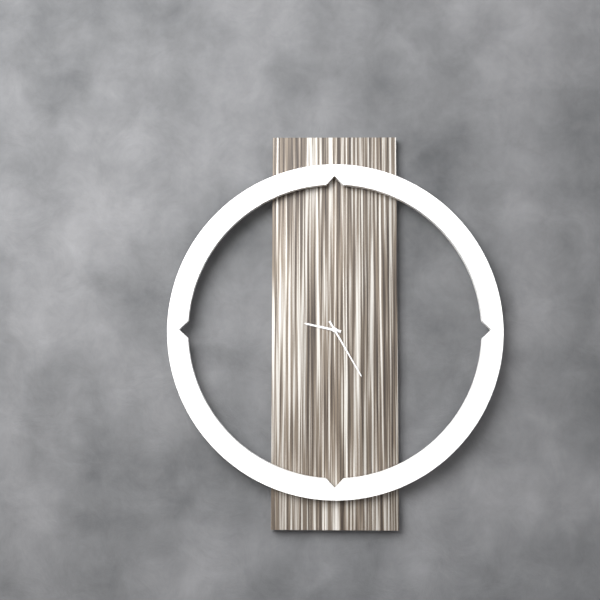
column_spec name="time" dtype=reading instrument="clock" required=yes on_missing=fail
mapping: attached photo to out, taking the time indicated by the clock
9:25
